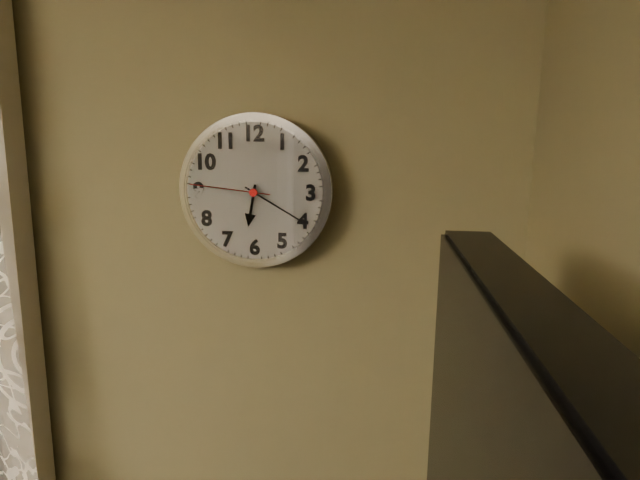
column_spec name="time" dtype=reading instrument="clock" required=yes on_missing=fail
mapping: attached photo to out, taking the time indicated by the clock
6:20:46
